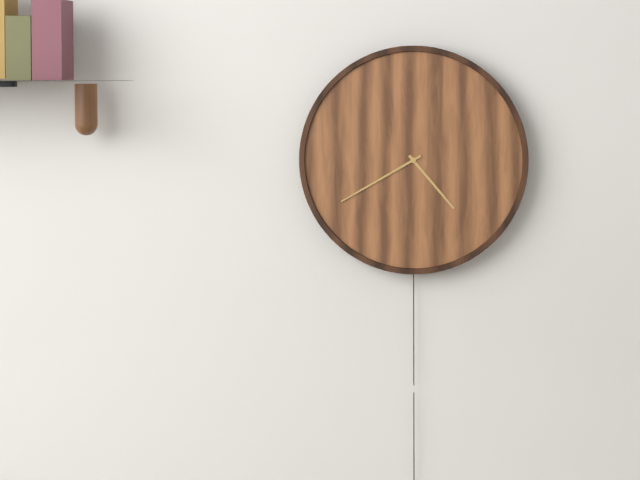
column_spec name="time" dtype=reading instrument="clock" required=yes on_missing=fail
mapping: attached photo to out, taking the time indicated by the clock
4:40
